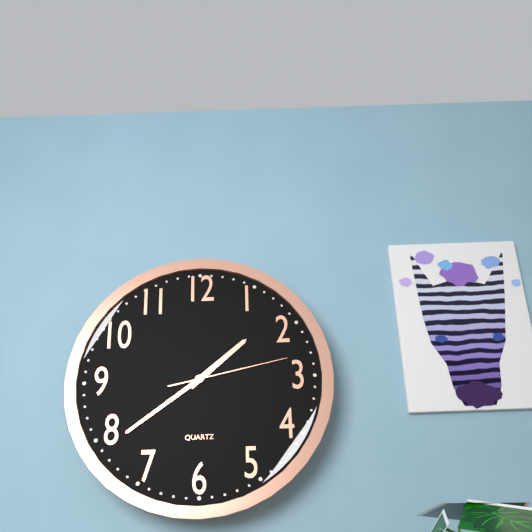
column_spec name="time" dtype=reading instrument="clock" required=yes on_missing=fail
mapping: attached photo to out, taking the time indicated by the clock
1:39:13
